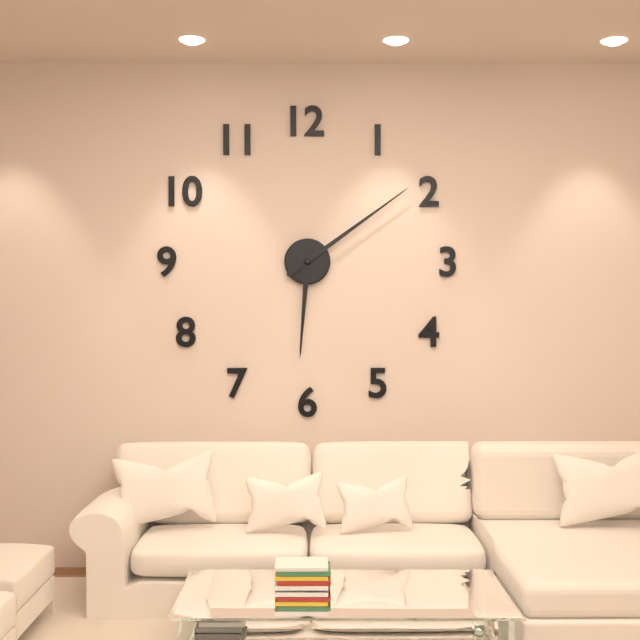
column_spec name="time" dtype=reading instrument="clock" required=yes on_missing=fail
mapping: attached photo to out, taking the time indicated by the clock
6:09
